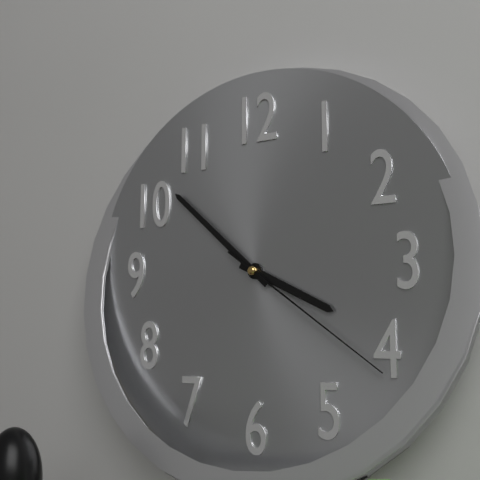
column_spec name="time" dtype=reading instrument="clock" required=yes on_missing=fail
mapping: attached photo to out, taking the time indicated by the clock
3:52:21
